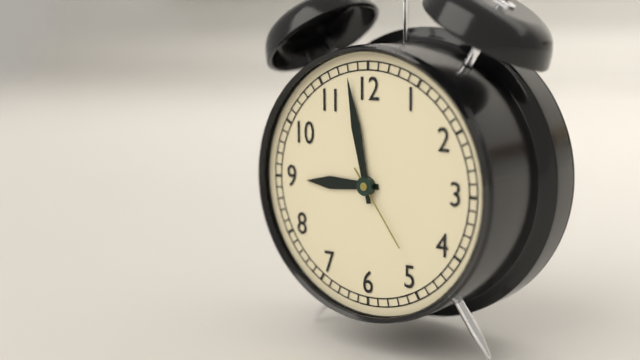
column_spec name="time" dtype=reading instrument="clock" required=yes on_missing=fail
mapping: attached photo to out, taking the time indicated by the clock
8:58:24
